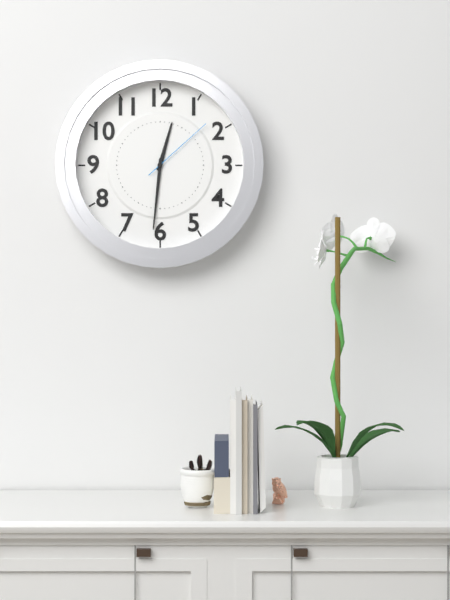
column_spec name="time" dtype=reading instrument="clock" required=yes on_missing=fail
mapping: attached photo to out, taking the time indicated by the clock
12:31:08
